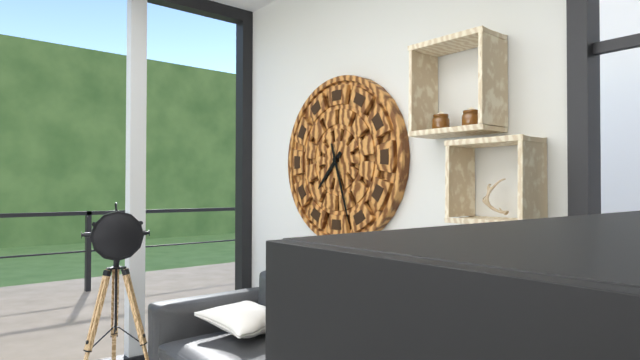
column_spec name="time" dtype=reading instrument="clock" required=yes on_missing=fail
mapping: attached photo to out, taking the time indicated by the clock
7:27
